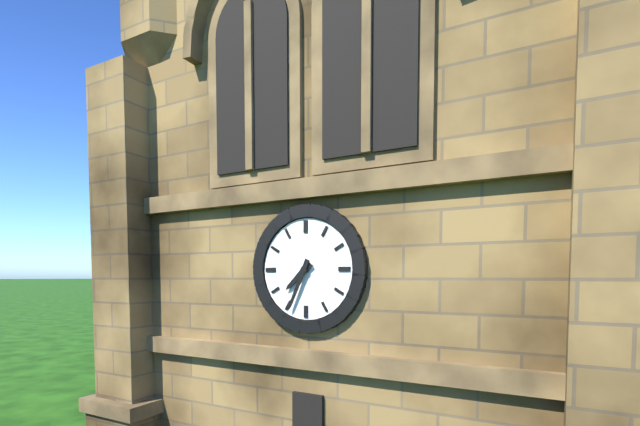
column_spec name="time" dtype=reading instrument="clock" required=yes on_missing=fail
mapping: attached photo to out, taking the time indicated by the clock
7:34
